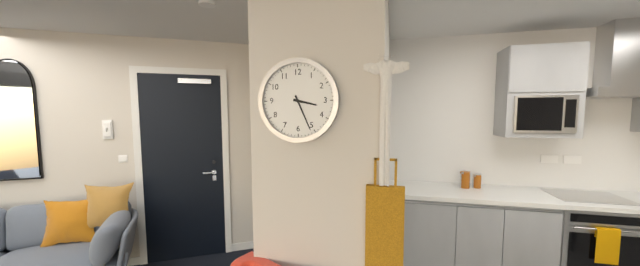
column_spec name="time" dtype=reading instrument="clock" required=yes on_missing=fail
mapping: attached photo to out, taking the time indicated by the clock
3:26
